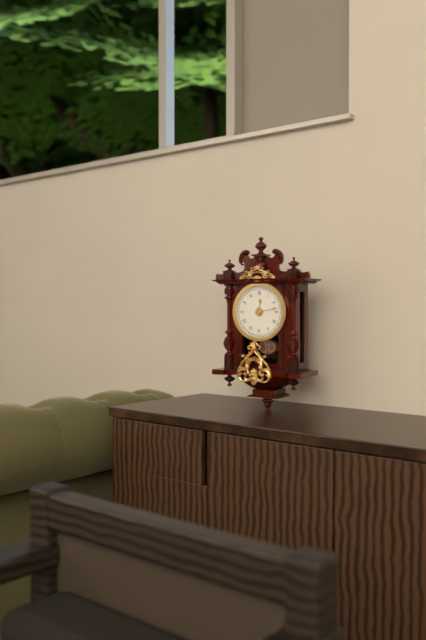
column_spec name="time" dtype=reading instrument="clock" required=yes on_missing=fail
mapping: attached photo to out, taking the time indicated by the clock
12:13
